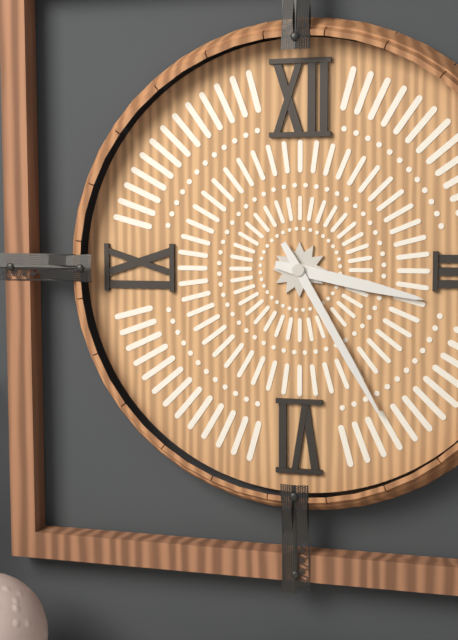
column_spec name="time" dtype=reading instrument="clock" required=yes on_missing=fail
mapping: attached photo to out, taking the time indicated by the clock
3:25
